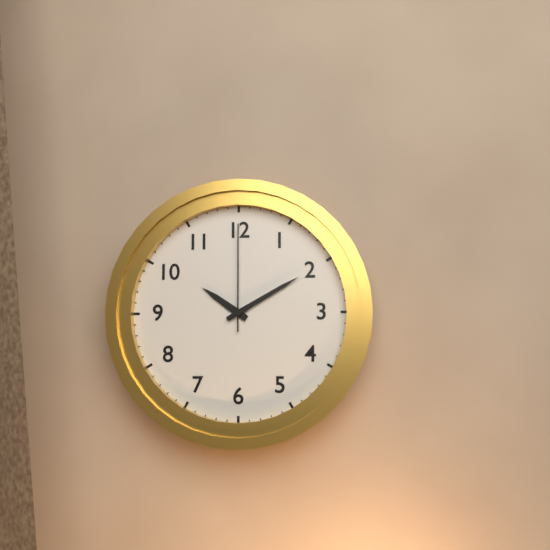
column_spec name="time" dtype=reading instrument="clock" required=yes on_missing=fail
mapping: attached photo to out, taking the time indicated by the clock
10:10:00
